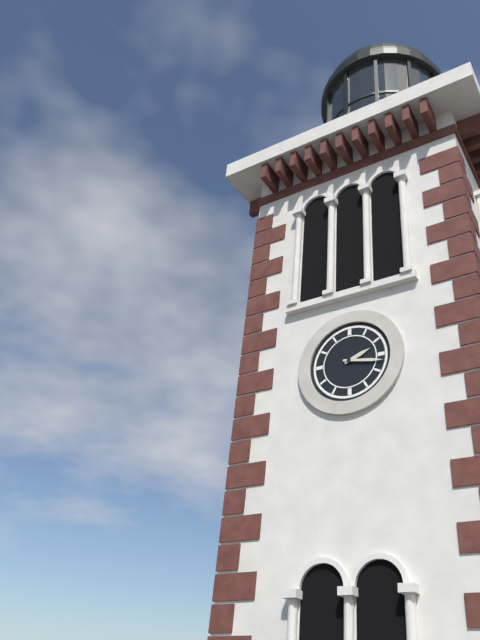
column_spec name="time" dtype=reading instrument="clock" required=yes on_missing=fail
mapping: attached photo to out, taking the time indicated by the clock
2:17
